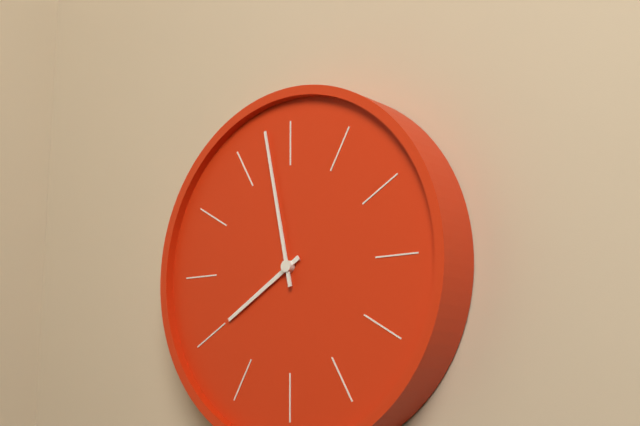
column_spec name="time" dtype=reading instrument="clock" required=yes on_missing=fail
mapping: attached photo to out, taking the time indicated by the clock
7:58
